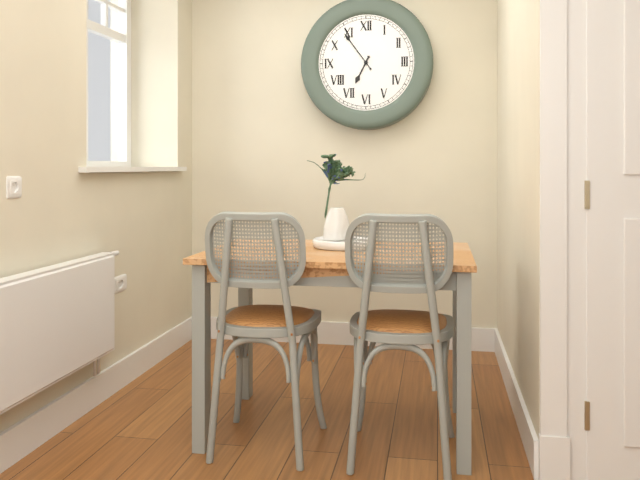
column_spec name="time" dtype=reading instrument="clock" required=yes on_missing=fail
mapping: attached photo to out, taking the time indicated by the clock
6:54
